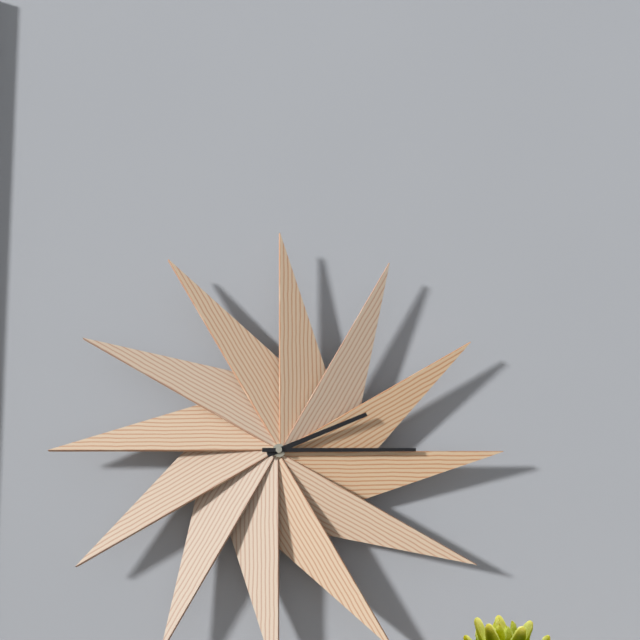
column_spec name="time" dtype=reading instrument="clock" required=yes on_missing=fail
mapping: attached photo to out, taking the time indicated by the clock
2:15
